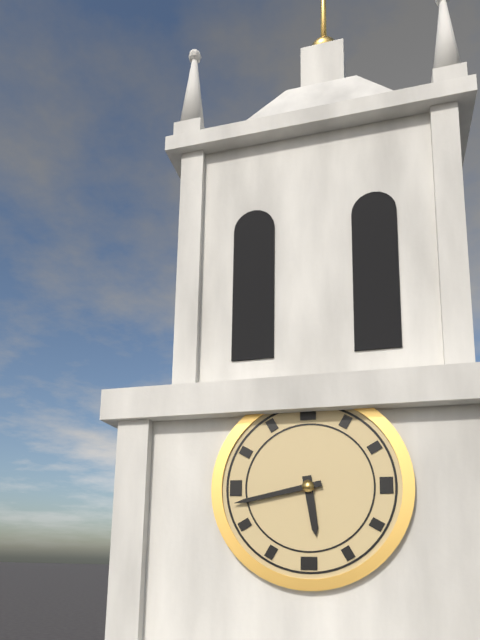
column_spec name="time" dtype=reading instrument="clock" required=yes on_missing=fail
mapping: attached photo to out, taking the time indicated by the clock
5:43
